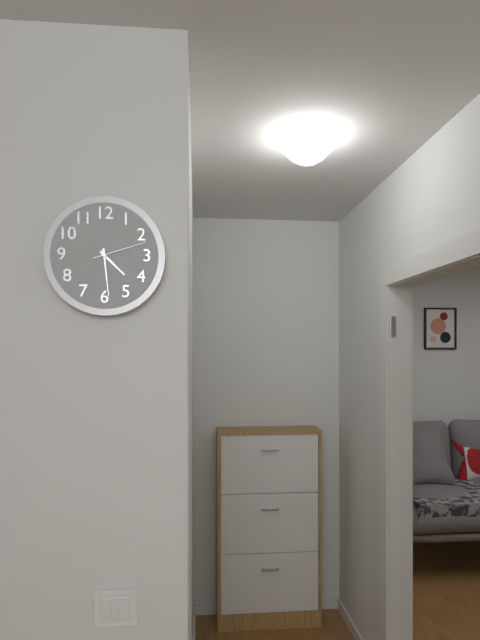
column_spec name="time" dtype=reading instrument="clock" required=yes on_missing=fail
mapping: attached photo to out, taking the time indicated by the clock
4:29:12
